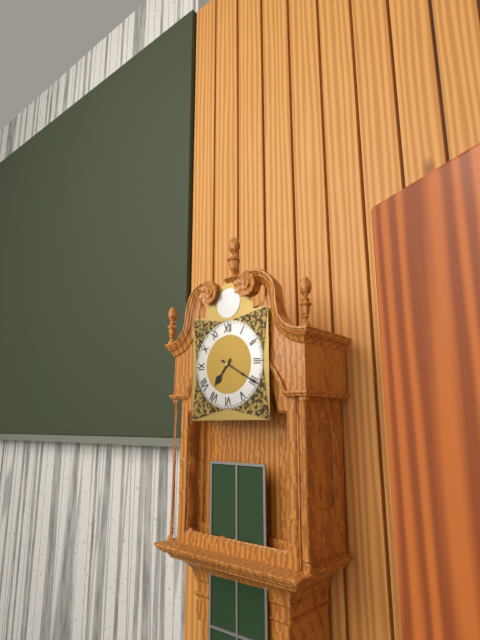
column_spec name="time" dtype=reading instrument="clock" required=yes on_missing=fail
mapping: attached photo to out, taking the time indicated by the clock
7:20
